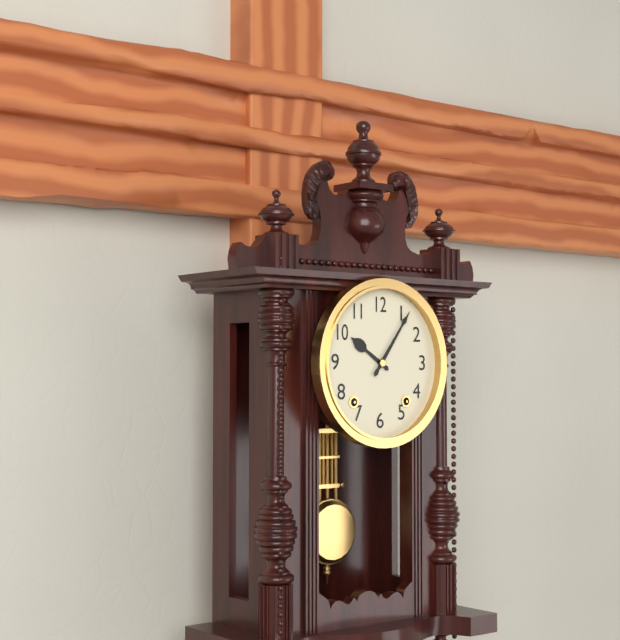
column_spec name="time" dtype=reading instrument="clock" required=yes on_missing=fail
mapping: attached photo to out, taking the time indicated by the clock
10:06
